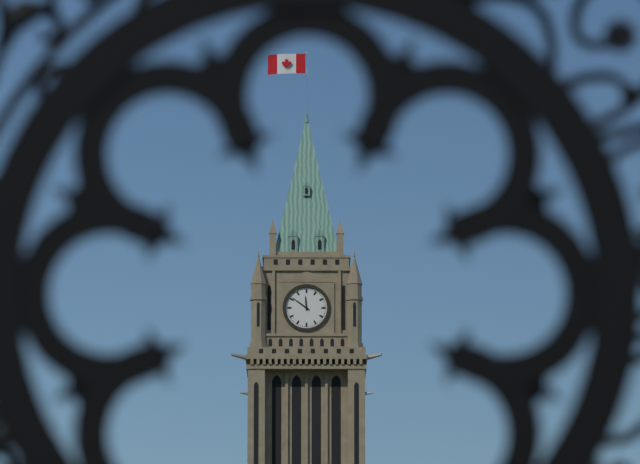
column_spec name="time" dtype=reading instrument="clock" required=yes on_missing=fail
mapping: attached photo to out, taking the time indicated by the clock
11:51
